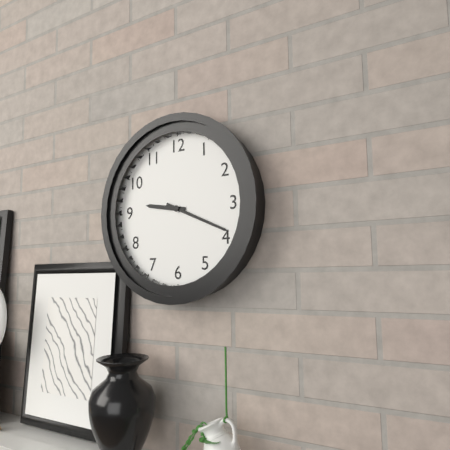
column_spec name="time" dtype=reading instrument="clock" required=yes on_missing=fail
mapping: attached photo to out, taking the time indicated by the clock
9:19
